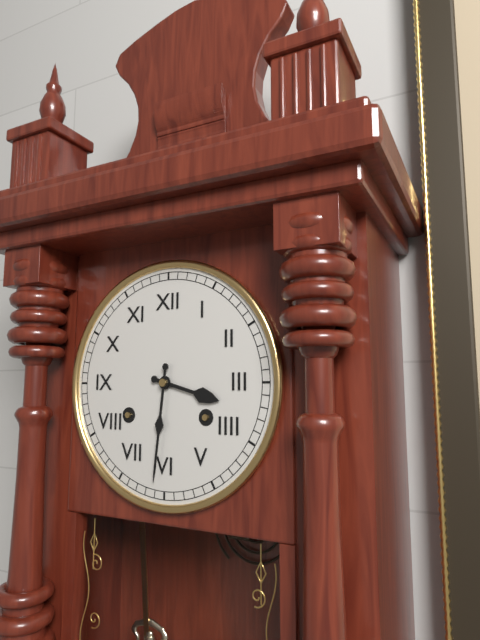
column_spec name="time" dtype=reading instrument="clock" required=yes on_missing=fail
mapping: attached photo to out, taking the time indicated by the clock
3:31
